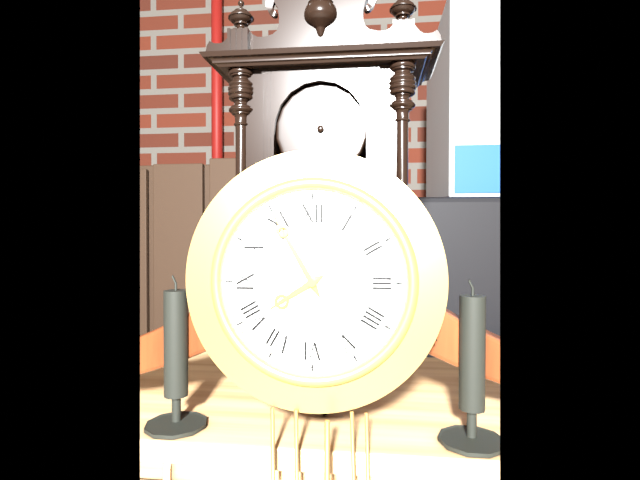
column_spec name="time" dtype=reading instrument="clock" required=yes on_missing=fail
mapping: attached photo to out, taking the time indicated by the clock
7:55
